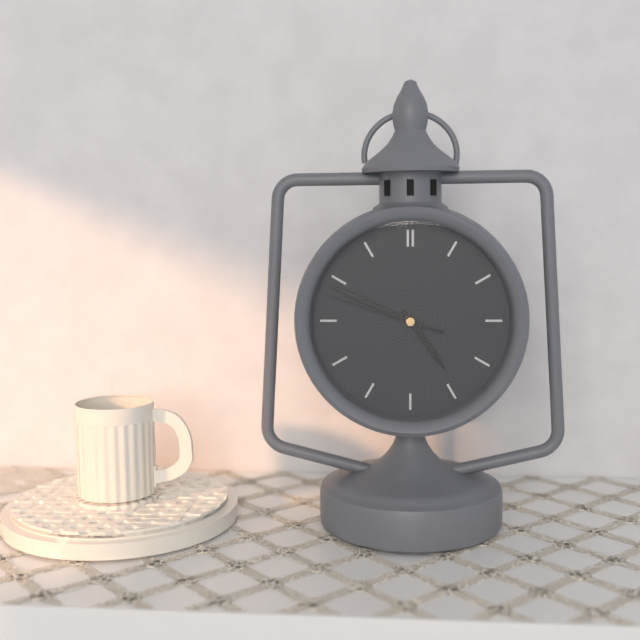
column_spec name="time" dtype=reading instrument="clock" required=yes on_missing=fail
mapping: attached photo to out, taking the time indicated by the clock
4:49:48
